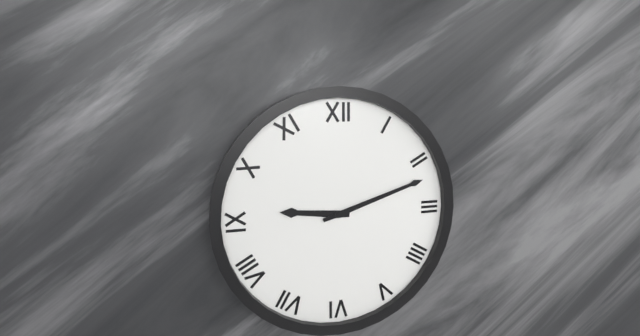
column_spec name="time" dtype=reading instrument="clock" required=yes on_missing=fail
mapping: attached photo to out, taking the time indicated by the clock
9:12
